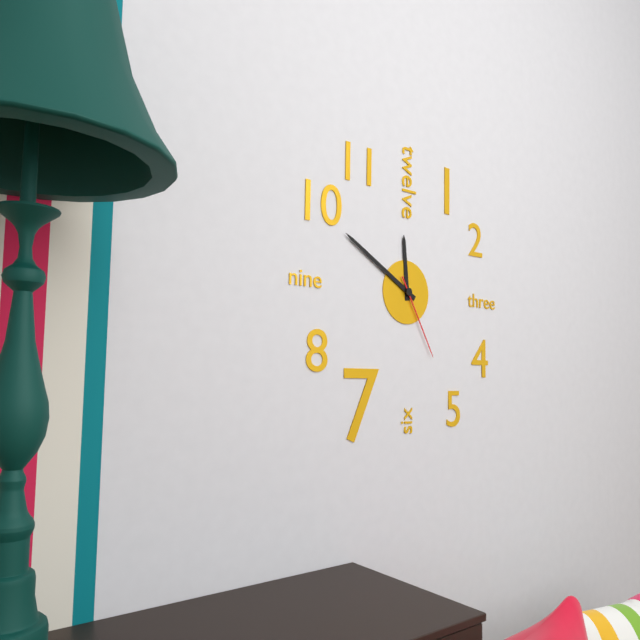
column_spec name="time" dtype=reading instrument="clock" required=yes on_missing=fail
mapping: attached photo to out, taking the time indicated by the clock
11:50:25
